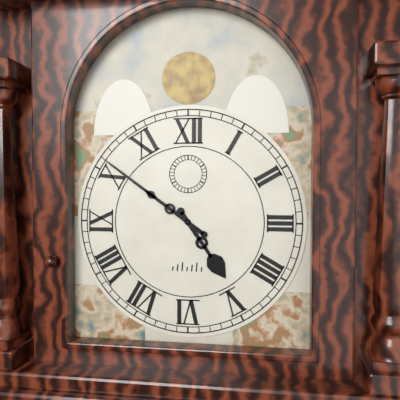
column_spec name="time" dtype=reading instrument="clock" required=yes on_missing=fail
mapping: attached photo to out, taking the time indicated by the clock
4:51
